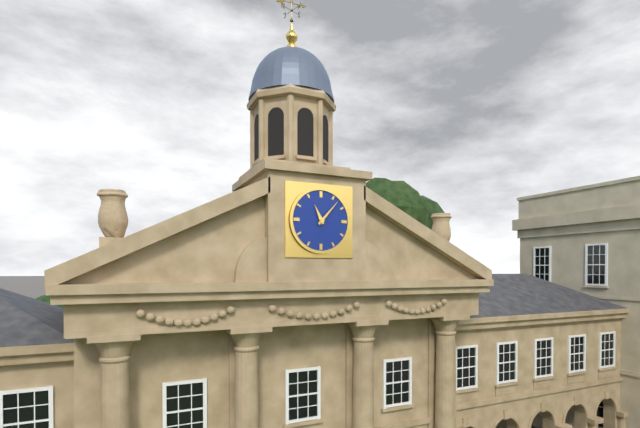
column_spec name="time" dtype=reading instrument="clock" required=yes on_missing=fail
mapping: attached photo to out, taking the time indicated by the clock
11:07
